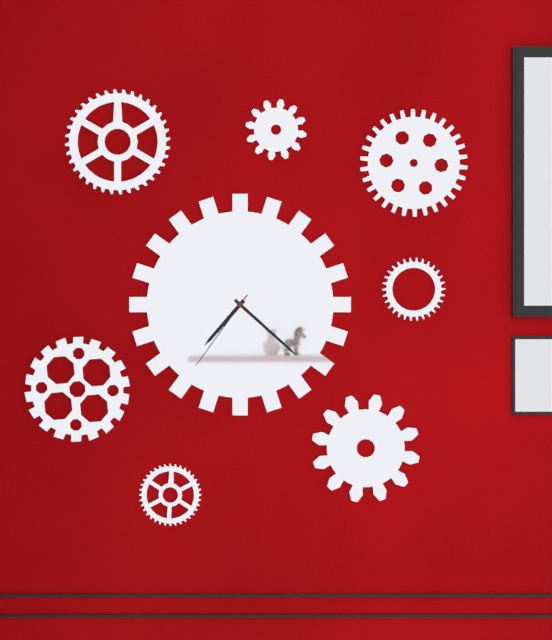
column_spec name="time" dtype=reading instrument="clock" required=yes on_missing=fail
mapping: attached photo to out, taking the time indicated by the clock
7:22:36
